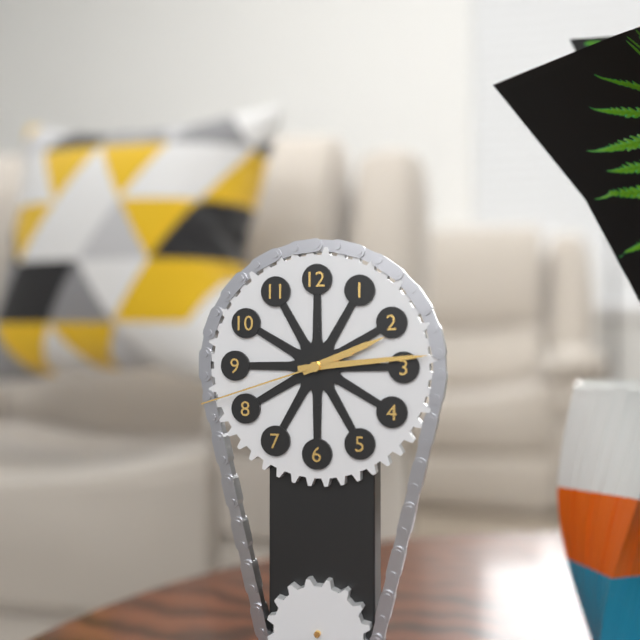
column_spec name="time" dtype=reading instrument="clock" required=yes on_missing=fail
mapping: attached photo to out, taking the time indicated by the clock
2:14:42
